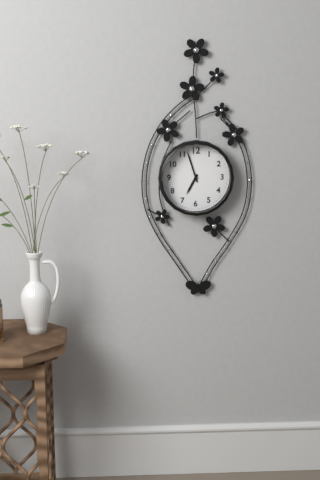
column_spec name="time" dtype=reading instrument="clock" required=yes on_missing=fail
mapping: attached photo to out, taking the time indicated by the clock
6:57
